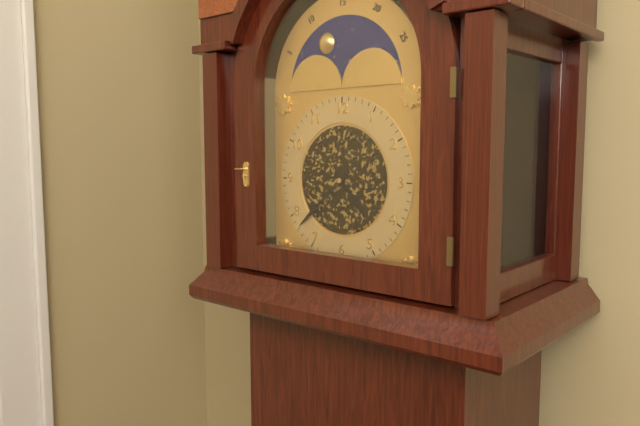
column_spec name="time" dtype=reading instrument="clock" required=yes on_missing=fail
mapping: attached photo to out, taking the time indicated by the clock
4:38
